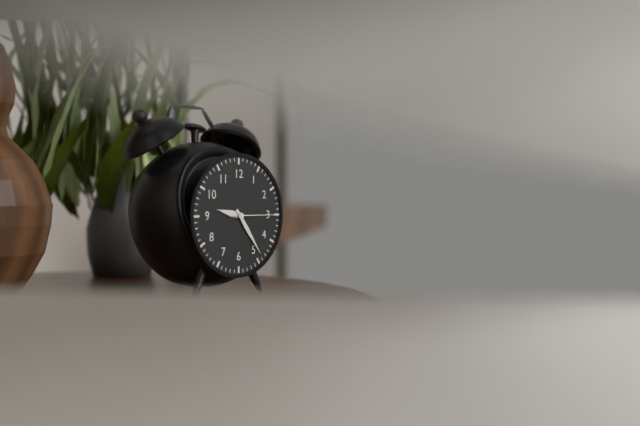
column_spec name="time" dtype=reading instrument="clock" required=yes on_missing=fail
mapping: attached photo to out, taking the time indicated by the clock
9:24
